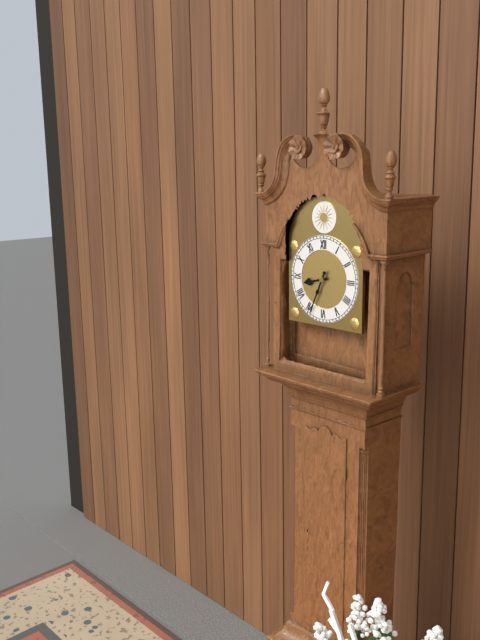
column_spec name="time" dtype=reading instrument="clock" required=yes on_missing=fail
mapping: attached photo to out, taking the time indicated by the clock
8:34
